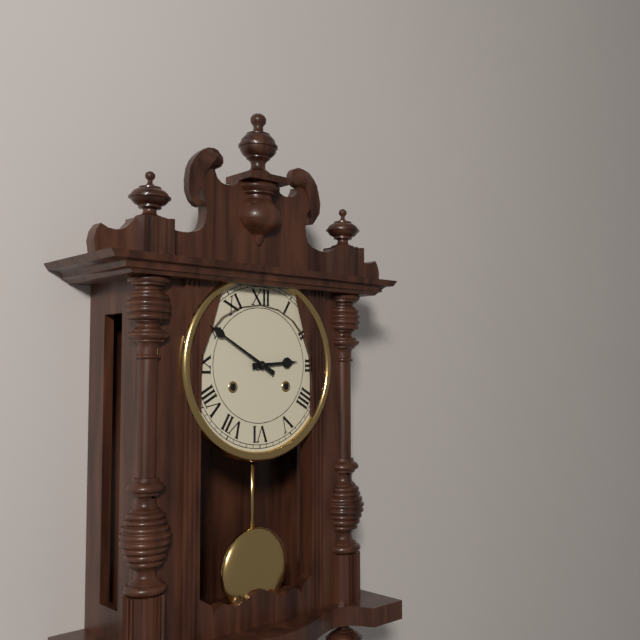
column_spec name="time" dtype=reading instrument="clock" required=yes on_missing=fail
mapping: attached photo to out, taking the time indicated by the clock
2:50
